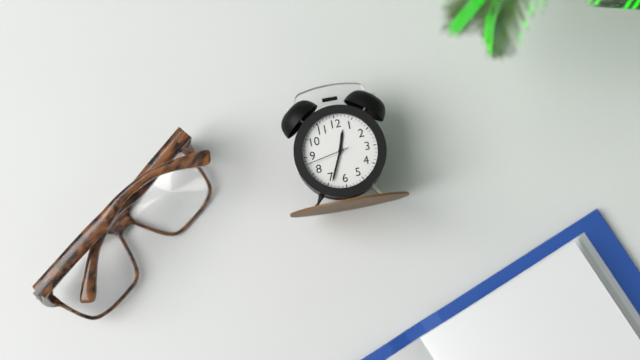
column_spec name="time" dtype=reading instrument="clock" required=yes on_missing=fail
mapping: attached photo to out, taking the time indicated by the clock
12:34
